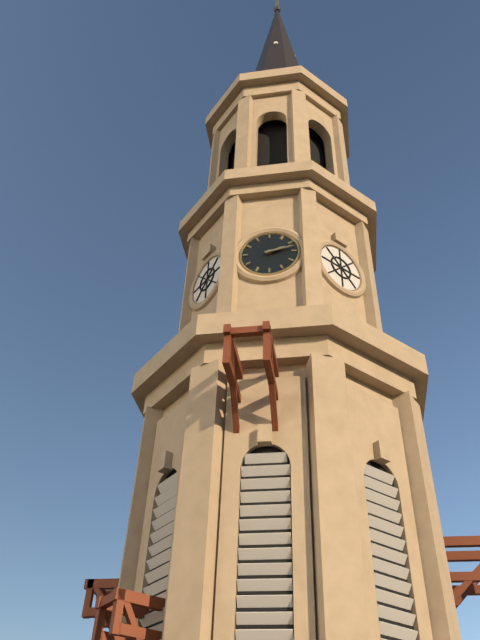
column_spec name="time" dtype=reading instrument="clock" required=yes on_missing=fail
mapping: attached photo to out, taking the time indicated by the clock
2:13
